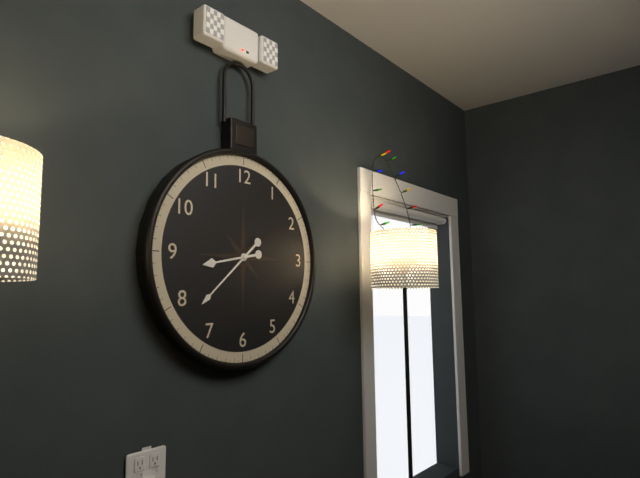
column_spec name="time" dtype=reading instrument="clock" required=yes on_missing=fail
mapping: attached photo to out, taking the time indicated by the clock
8:38
